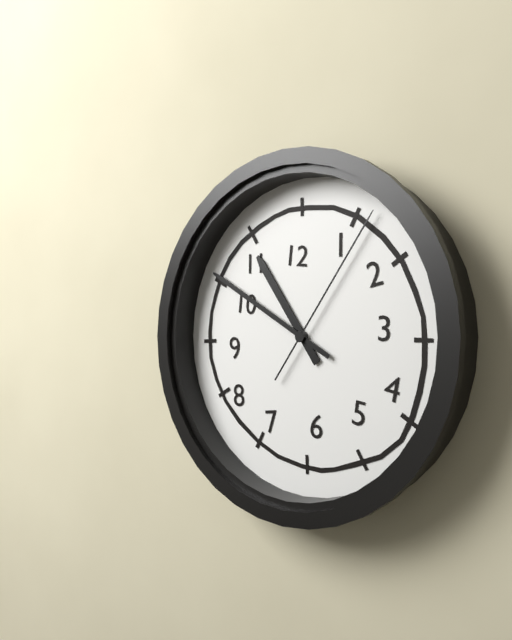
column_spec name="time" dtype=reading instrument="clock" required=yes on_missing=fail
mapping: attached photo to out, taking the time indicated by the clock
10:50:06
